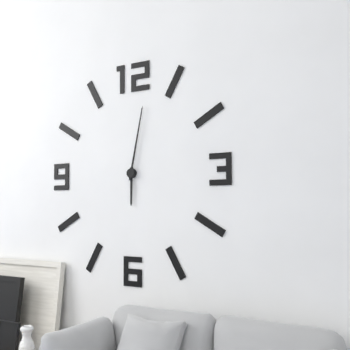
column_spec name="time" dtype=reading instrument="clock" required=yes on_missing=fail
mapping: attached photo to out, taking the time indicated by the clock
6:02
